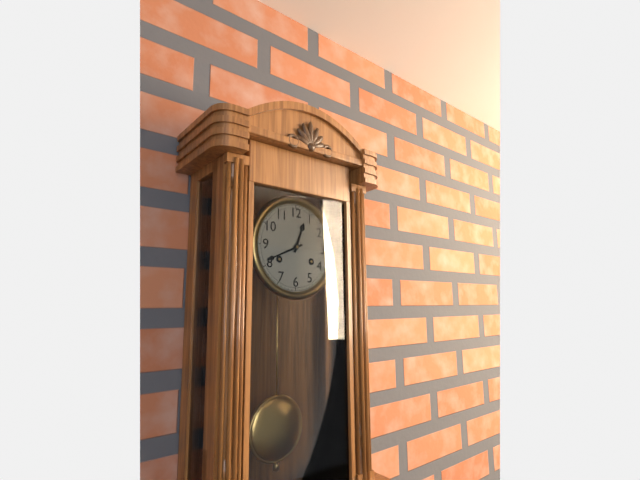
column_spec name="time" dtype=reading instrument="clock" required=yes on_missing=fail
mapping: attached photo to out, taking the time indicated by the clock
12:41
